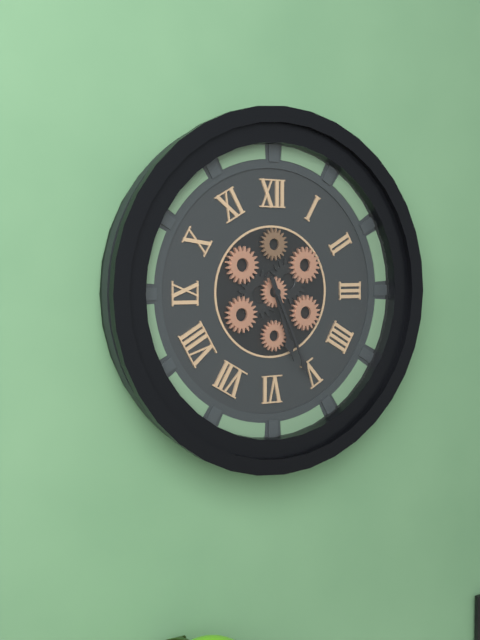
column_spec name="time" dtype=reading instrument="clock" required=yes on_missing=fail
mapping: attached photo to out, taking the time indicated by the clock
5:26
